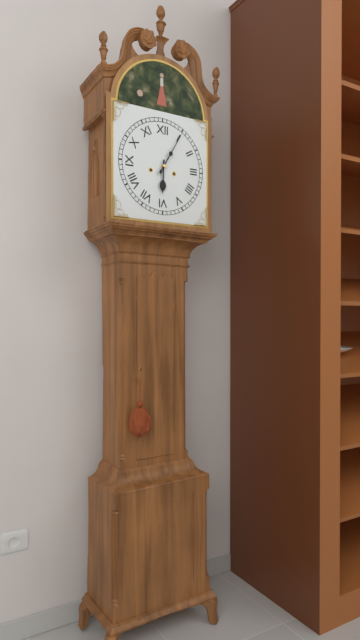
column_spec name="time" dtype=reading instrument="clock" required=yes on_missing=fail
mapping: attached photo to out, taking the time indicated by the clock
6:05
